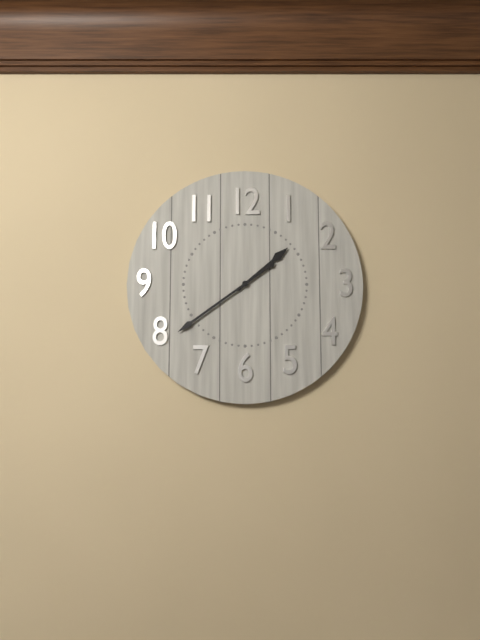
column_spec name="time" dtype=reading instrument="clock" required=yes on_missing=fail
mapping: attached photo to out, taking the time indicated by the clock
1:39
